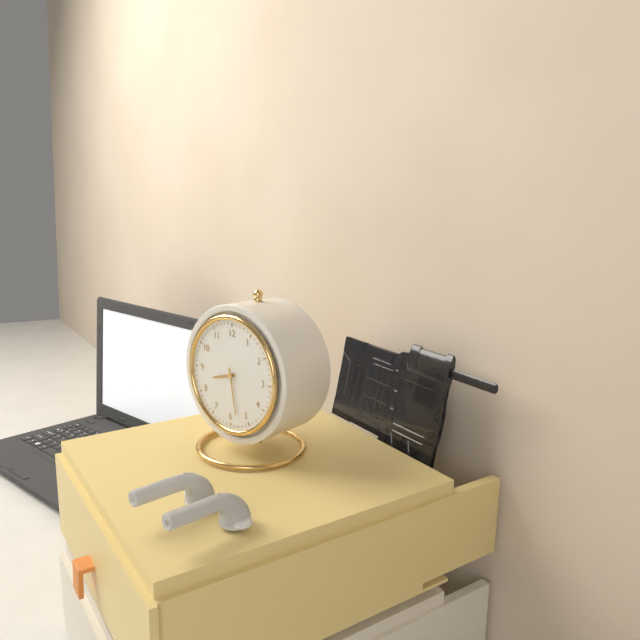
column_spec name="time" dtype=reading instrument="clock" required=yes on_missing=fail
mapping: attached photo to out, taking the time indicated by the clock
8:28
